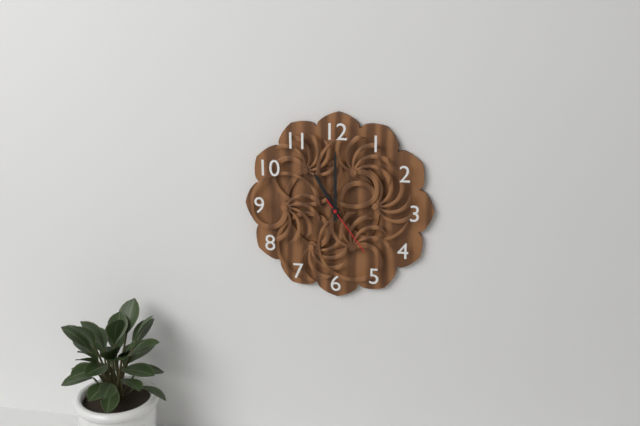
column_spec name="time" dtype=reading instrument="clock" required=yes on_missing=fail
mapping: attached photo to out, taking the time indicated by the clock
11:00:24
